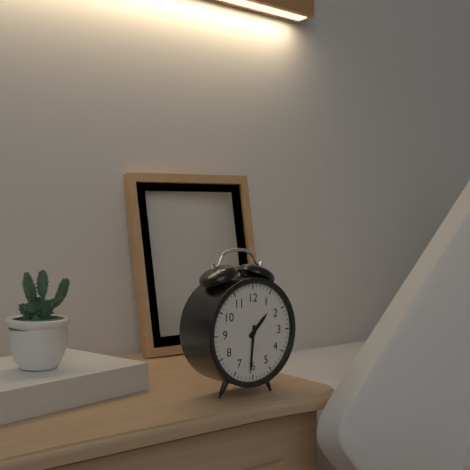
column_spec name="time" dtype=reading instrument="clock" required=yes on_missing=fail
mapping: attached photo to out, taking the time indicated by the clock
1:31
